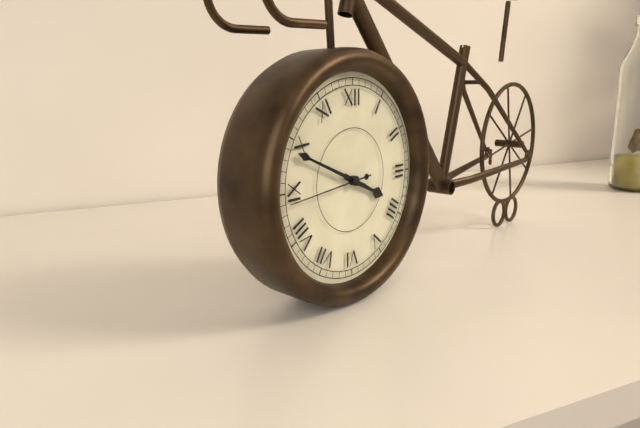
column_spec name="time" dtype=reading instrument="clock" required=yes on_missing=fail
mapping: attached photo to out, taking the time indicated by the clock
3:49:44
